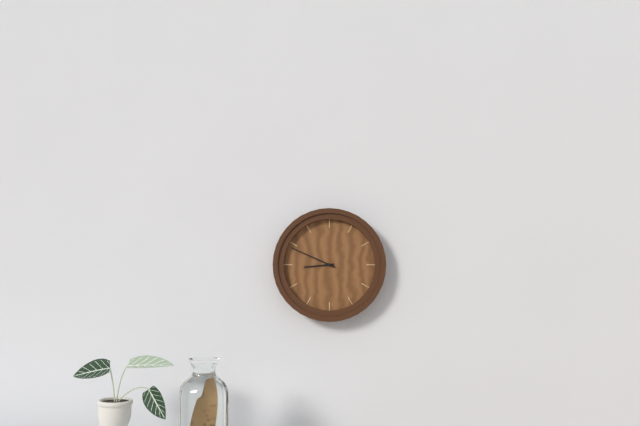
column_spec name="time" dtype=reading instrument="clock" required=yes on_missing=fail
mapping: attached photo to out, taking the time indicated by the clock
8:49
